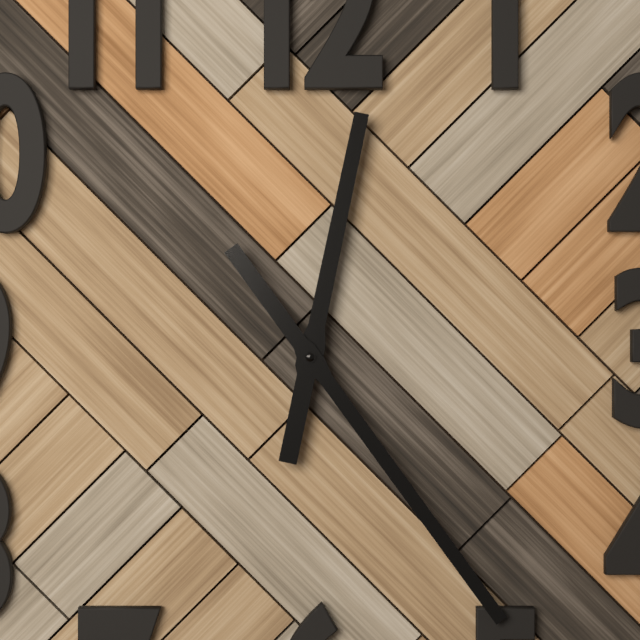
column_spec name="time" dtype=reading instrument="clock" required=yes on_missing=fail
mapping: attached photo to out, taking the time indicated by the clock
12:24
